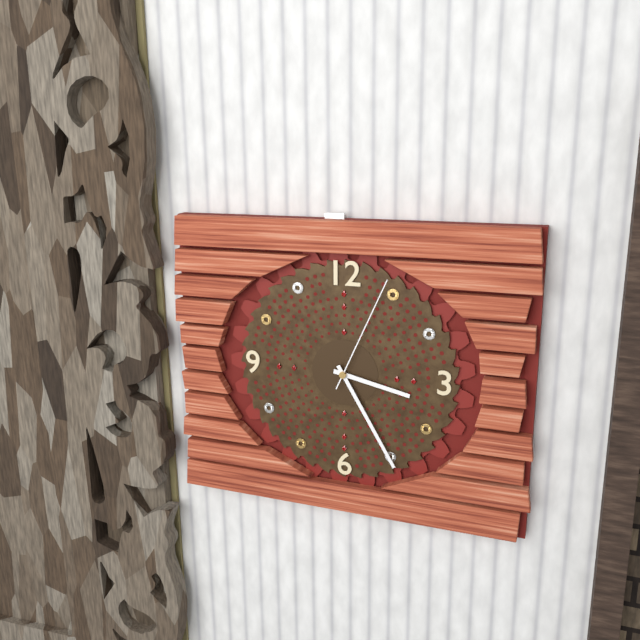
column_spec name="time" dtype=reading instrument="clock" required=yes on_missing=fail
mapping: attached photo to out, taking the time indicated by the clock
3:25:04
